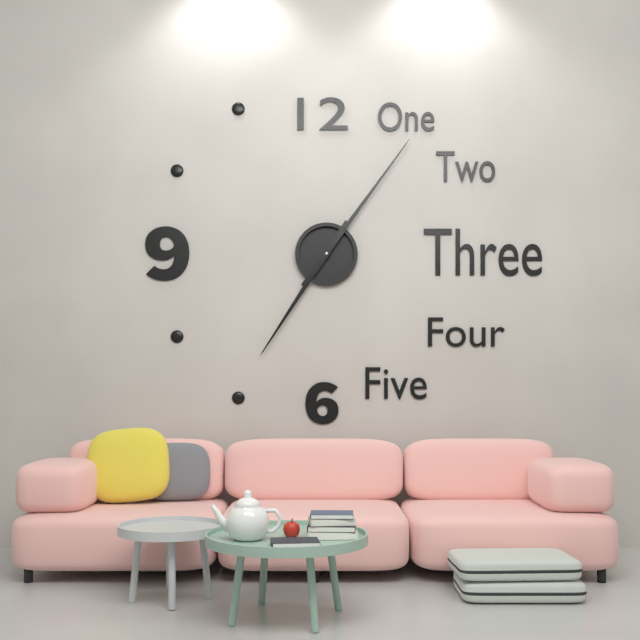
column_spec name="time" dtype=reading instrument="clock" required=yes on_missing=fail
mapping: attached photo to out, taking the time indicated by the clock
7:06
